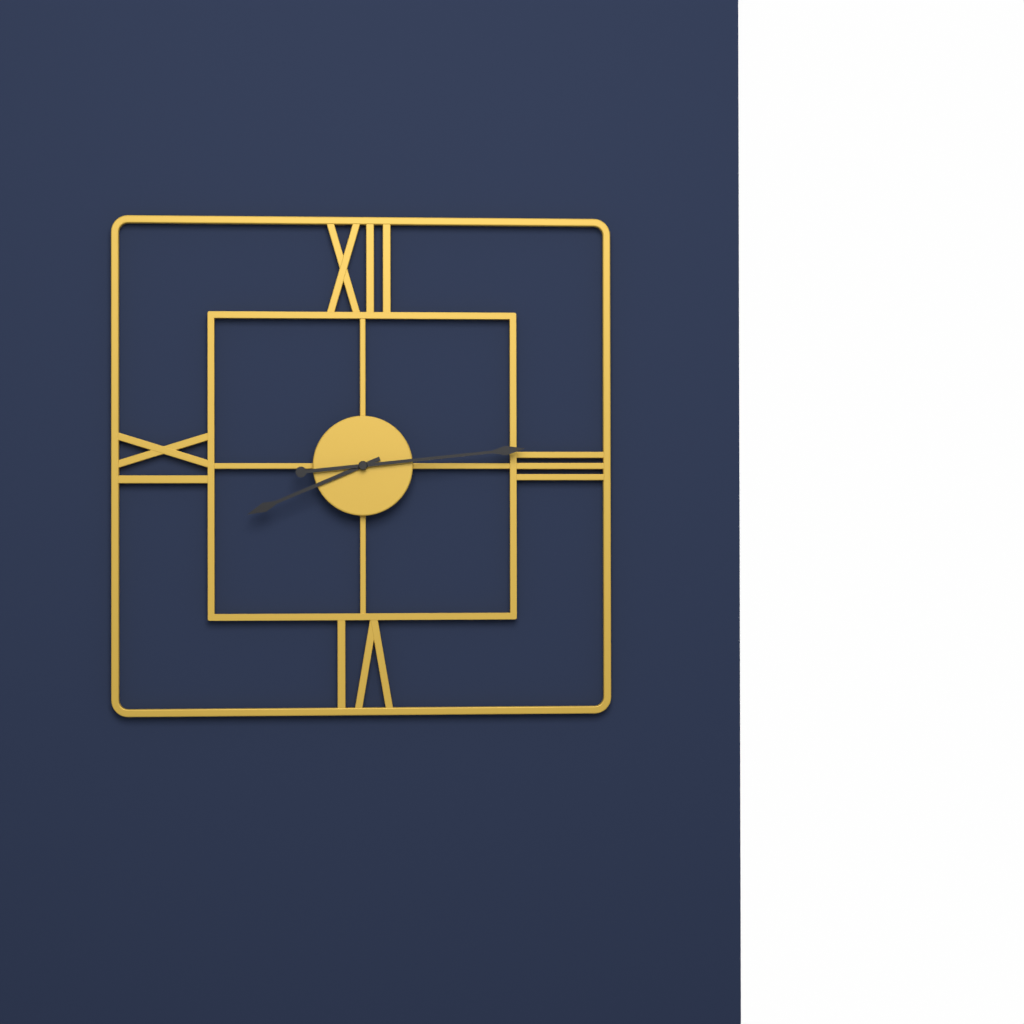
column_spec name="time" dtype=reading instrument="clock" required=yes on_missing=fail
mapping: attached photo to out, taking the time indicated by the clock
8:14
